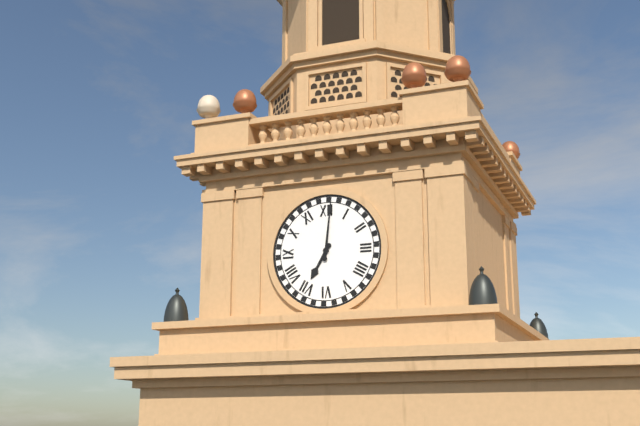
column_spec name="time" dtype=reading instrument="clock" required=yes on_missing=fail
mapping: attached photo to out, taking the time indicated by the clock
7:01
